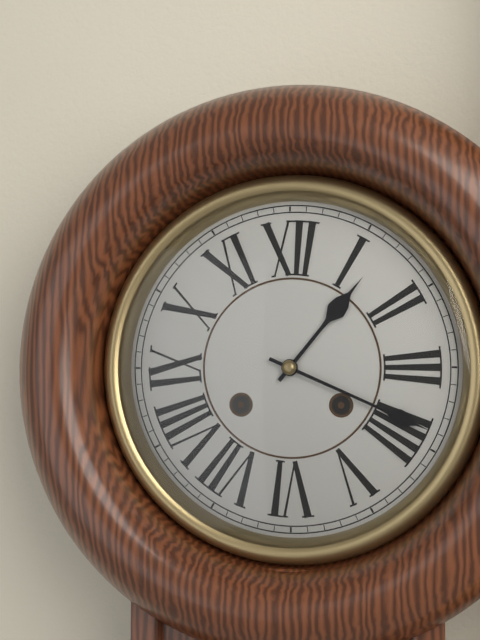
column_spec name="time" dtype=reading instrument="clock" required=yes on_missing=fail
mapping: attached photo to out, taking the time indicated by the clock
1:19
